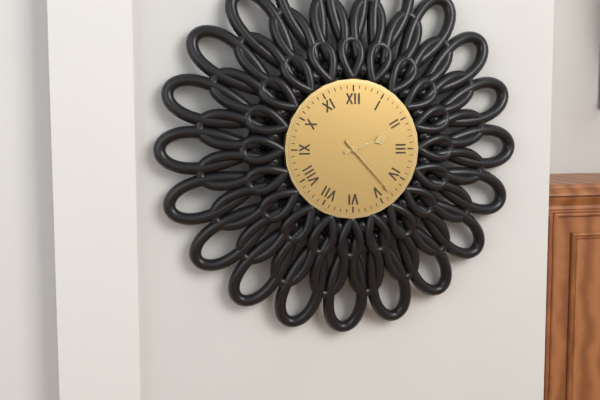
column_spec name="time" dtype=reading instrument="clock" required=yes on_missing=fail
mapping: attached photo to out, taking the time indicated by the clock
2:23
